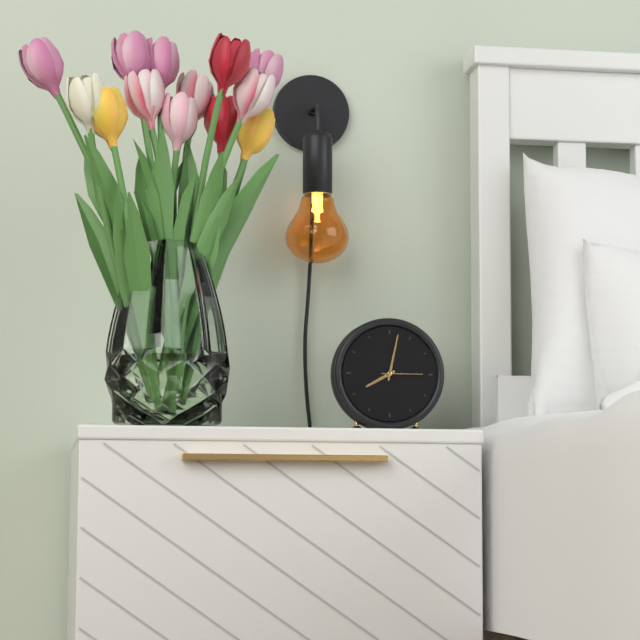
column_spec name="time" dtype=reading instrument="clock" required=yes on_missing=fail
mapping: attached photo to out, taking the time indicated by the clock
8:02
